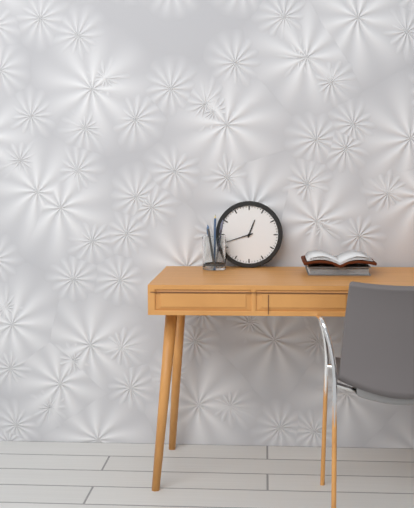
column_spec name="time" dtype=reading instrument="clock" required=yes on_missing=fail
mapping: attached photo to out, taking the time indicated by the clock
12:42
